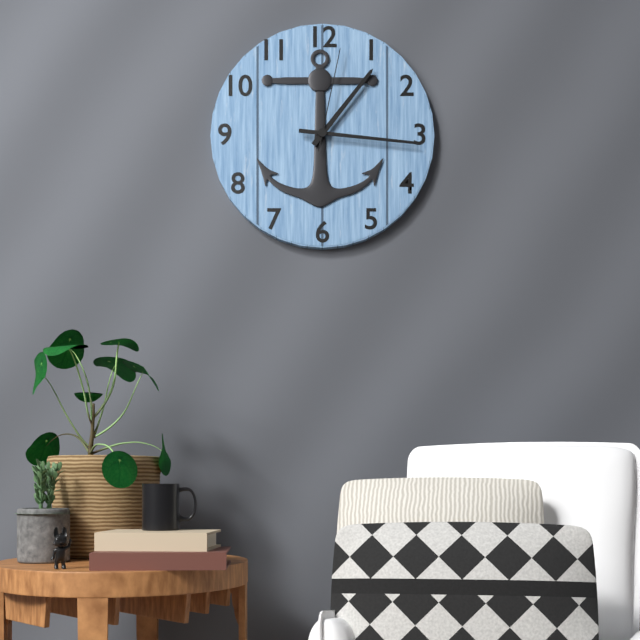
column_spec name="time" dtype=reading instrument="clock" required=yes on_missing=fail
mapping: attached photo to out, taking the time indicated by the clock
1:16:02
